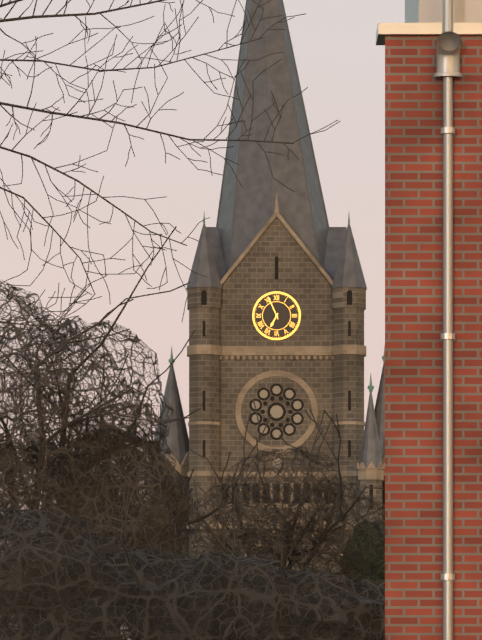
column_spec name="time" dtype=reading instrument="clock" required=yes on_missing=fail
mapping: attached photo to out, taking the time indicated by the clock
6:56
